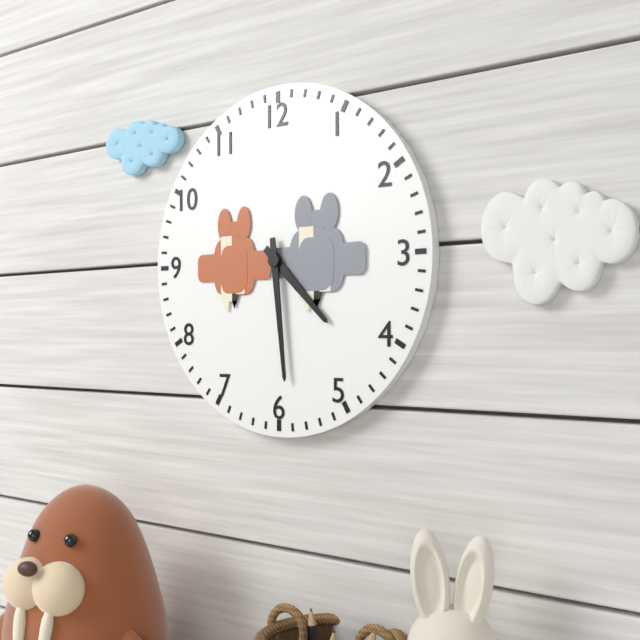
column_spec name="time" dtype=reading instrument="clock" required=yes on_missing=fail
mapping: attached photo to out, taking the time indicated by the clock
4:29
